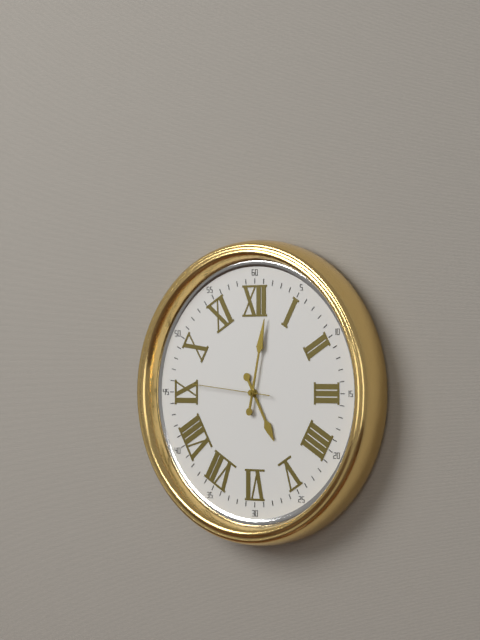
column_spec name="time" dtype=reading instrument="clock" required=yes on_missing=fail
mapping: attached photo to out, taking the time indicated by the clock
5:02:46
